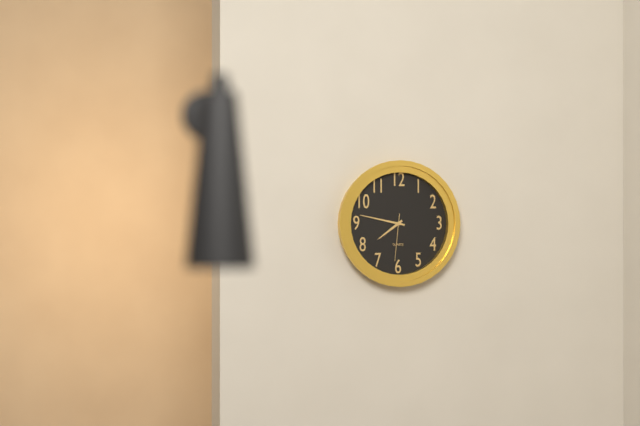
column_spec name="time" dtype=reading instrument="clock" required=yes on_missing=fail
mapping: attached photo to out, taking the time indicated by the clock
7:47
